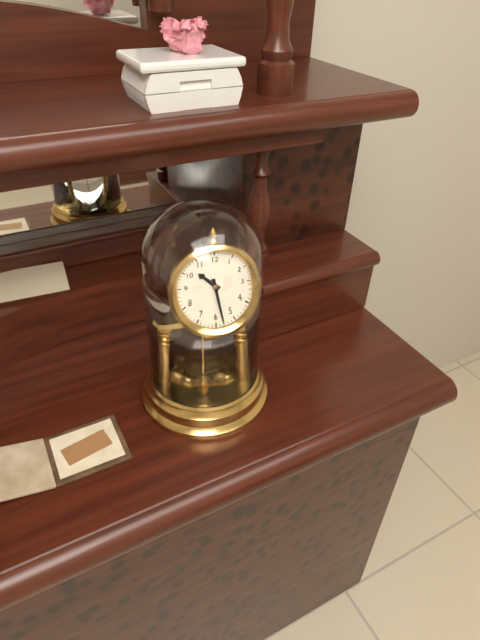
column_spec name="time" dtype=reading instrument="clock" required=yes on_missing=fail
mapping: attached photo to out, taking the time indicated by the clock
10:28
